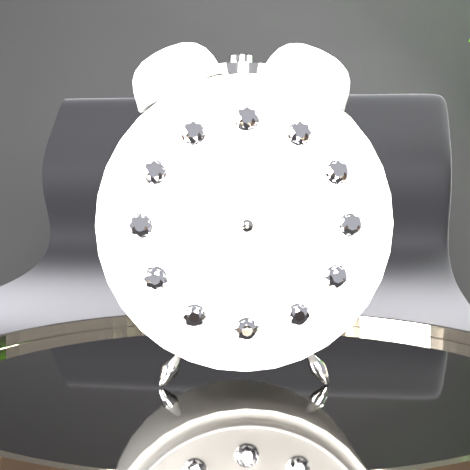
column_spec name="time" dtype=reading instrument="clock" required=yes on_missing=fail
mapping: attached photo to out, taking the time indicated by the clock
1:28:49
